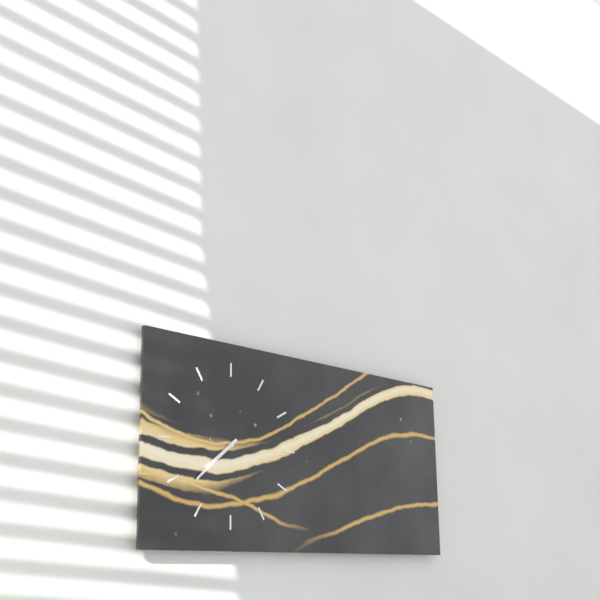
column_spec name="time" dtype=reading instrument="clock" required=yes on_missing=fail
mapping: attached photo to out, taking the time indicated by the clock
7:38
